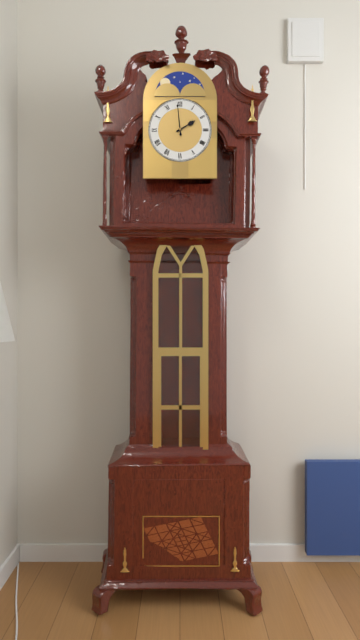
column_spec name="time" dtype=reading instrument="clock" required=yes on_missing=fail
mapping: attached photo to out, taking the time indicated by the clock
1:59
